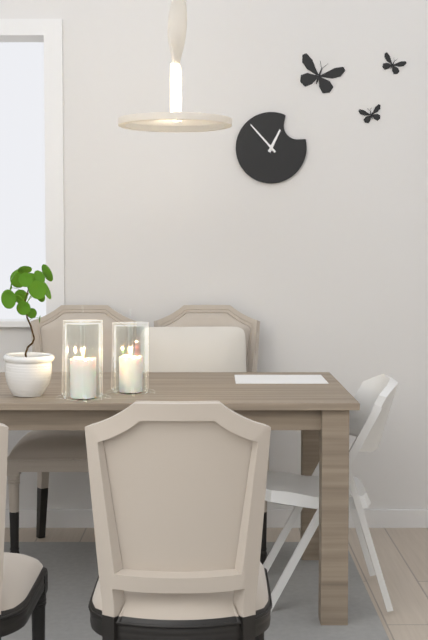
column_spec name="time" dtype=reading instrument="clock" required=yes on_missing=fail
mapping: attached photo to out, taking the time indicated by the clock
12:53
